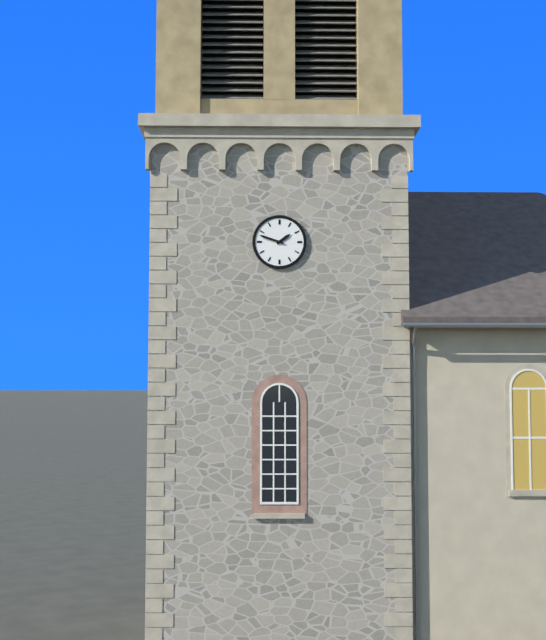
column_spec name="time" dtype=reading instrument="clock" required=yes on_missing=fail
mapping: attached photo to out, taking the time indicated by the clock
1:48
